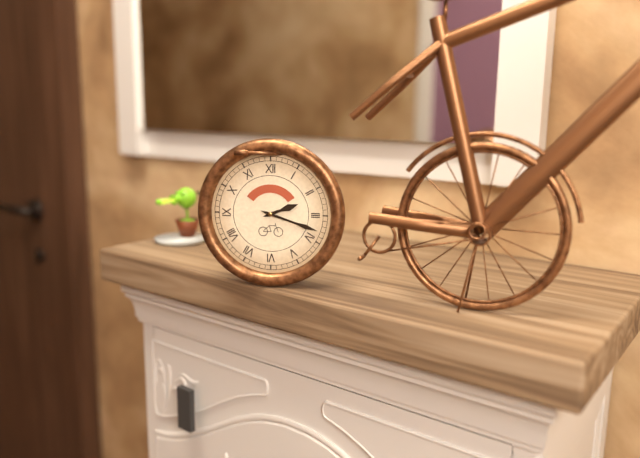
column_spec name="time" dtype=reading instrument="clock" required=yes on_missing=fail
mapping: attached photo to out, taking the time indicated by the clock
2:18
